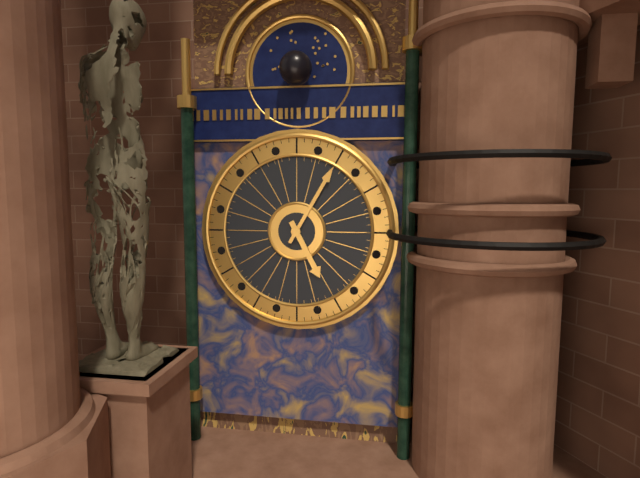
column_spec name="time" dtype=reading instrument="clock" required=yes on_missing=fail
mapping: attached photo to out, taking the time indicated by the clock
5:05
